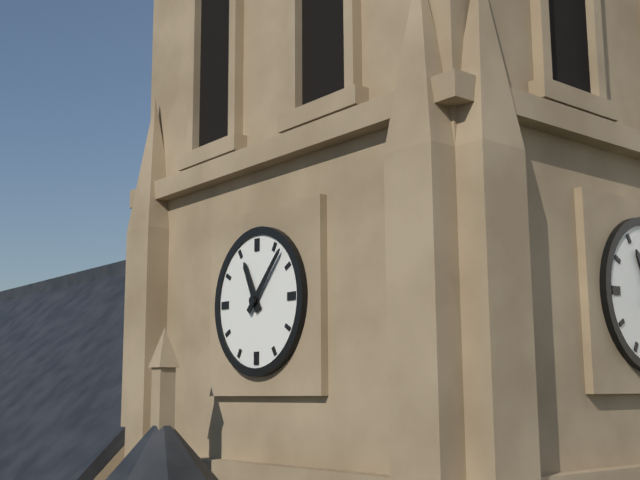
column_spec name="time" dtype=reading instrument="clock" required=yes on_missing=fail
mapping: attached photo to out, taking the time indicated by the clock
11:07
